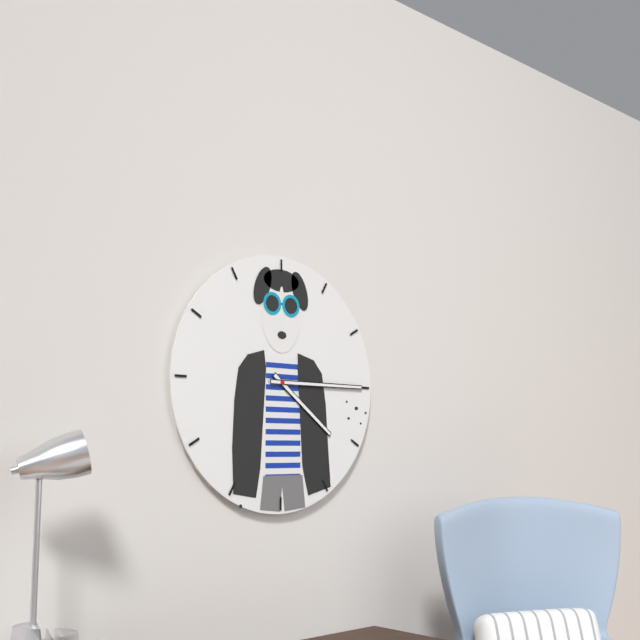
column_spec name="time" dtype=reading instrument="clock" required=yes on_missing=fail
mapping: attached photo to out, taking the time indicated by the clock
4:15
